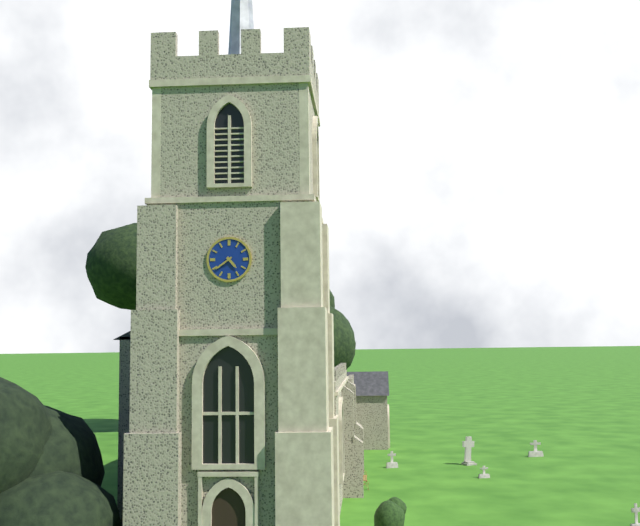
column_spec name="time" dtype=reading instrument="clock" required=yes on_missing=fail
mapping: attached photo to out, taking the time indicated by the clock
4:39
